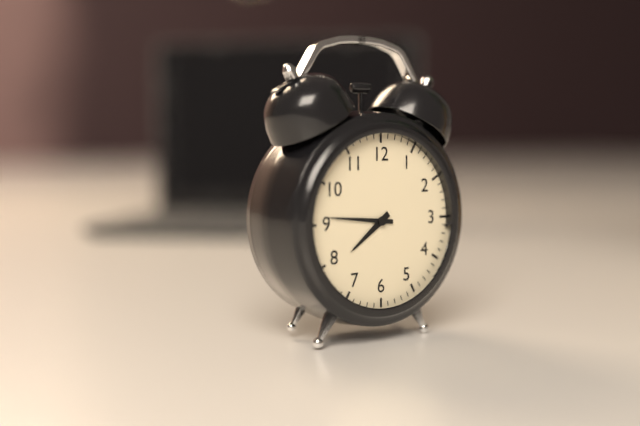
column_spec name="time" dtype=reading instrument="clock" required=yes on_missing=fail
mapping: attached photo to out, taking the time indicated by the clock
7:46
